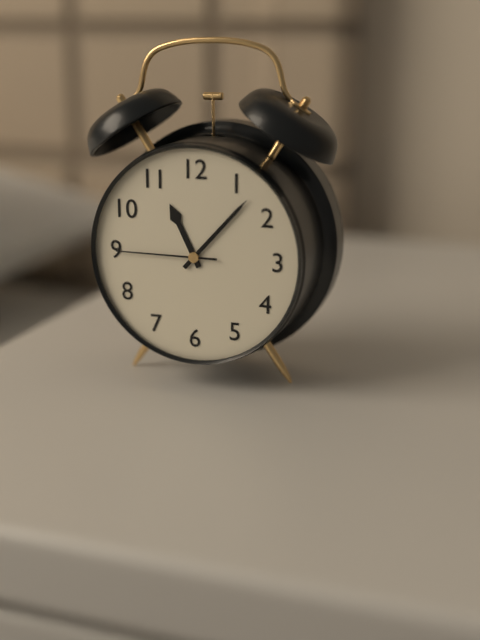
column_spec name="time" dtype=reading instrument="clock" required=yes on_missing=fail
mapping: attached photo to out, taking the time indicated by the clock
11:07:45
